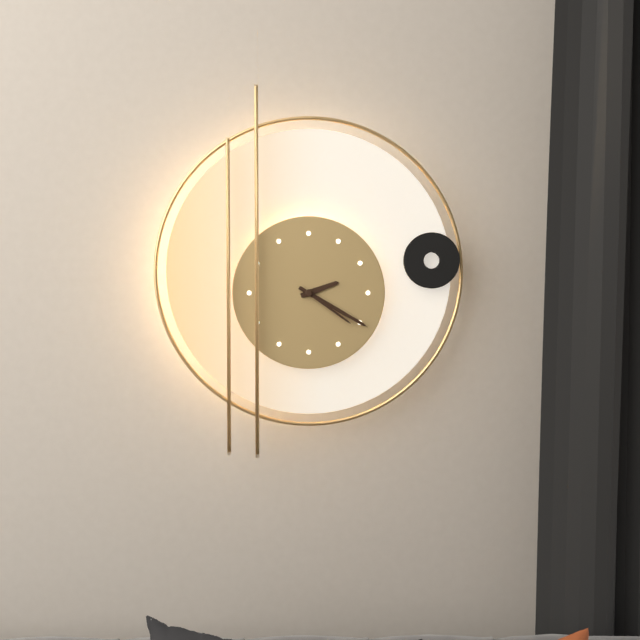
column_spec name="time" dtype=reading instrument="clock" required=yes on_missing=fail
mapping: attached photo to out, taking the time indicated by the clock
2:20:21
